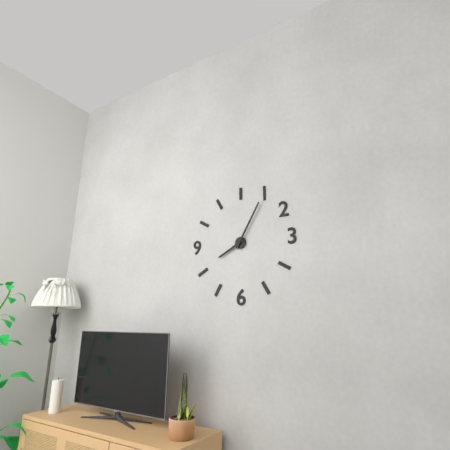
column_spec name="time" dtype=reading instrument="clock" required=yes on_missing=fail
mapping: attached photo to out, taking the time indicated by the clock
8:05
